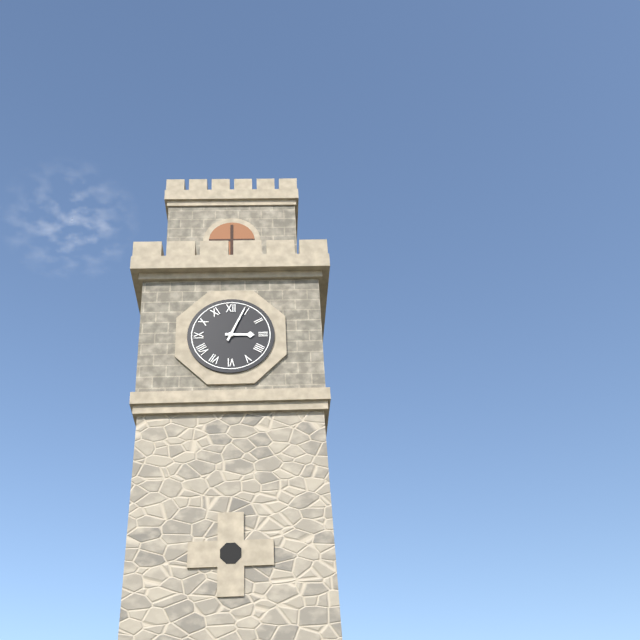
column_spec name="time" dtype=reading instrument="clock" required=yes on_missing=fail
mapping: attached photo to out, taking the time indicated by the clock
3:04
